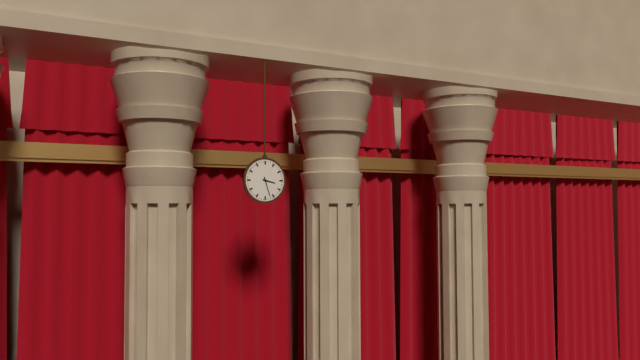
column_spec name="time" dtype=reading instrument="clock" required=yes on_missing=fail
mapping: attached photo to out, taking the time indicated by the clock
3:27
